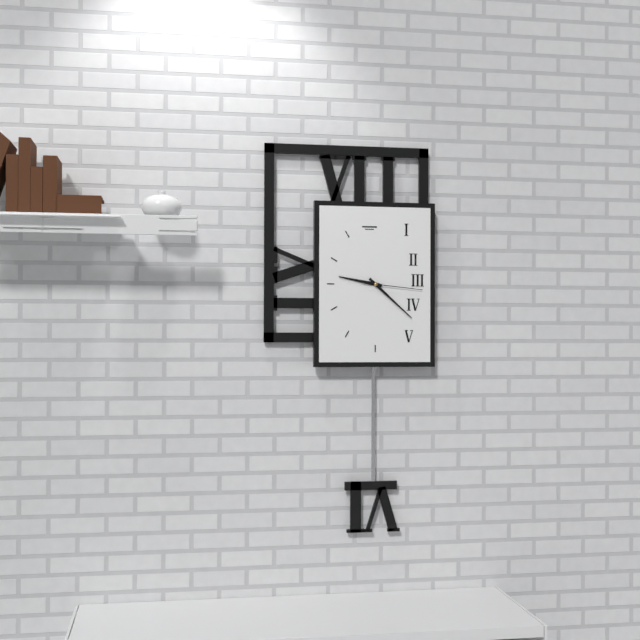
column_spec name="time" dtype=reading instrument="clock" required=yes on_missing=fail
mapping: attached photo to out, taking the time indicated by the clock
9:22:16
